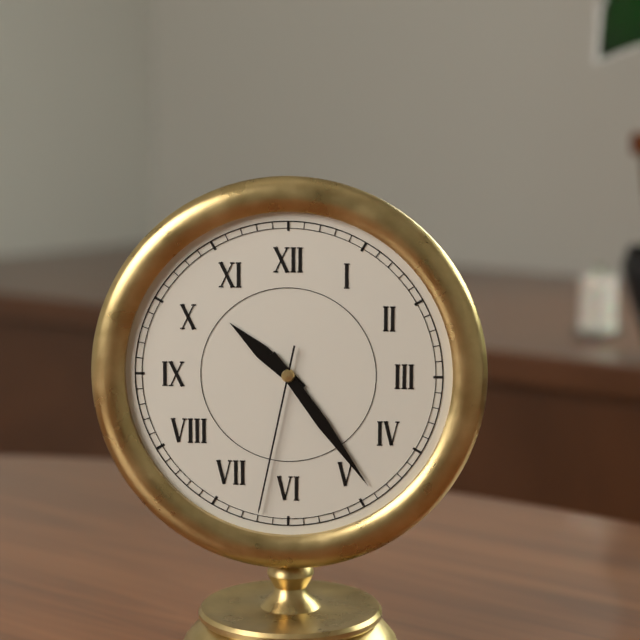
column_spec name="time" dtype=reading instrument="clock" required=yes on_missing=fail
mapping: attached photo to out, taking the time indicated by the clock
10:24:32
